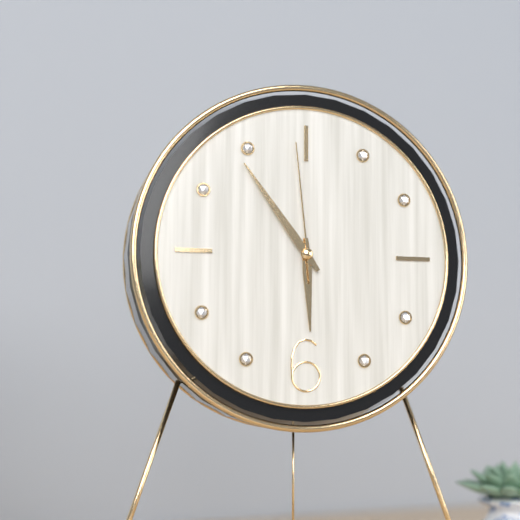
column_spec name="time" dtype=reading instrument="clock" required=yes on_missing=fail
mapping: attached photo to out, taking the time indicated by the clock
5:54:59
